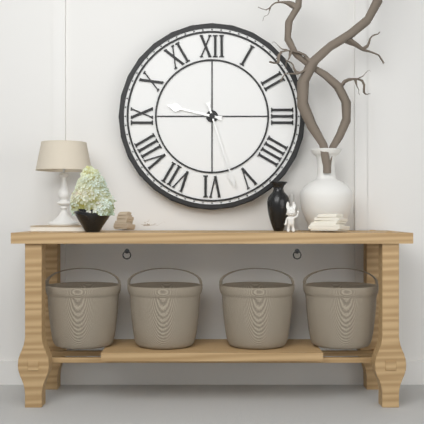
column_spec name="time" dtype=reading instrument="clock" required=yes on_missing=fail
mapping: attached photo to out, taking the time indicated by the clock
9:27
